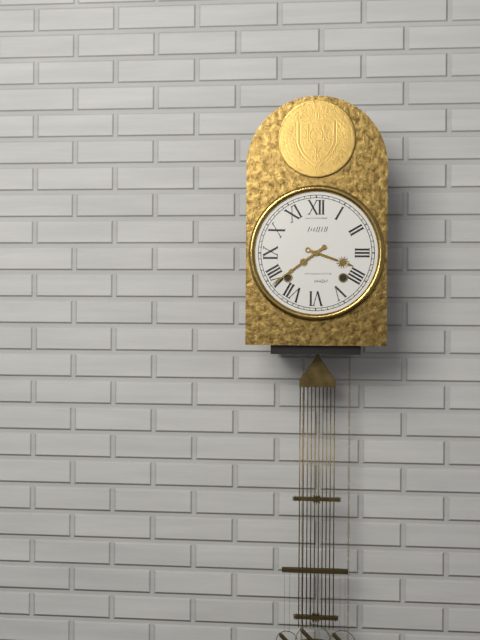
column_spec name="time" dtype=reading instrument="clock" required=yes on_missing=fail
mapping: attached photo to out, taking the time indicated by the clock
3:39
